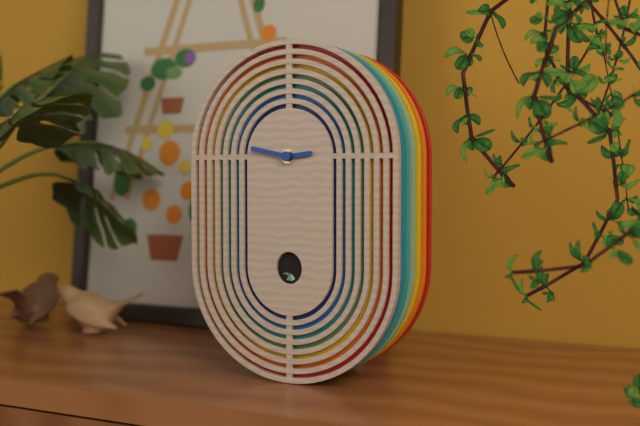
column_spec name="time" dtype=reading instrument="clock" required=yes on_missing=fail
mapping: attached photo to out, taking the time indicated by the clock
2:47
